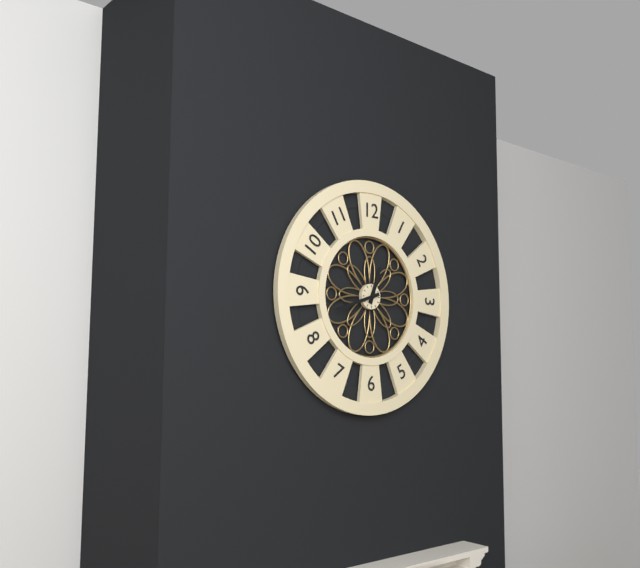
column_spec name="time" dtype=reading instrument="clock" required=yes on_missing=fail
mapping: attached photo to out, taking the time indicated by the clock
12:42
